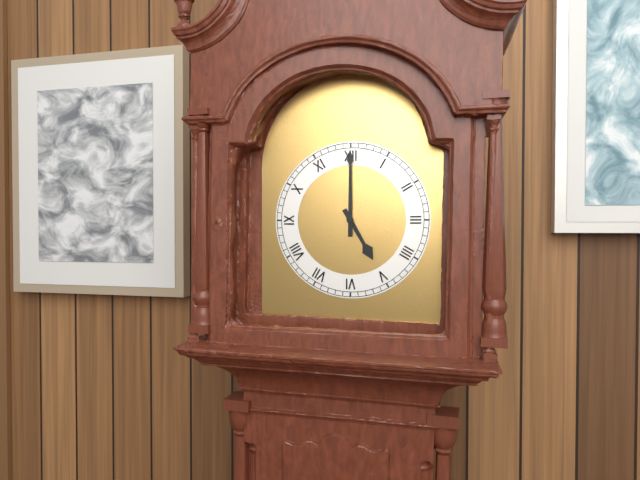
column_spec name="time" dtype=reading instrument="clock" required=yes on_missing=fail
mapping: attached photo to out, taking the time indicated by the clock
5:00
